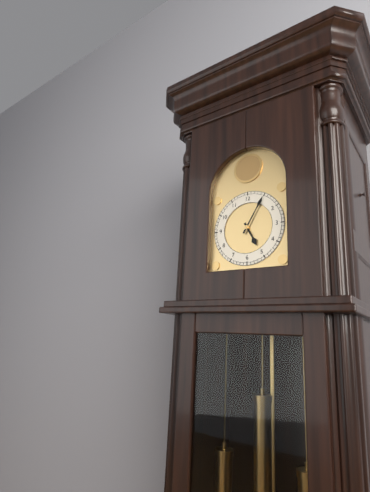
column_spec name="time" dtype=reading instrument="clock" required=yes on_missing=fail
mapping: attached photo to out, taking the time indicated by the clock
5:05
